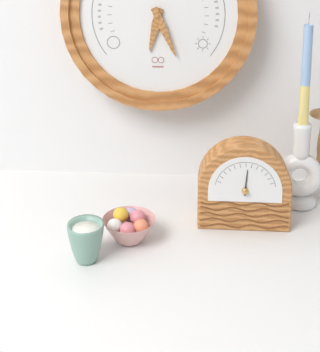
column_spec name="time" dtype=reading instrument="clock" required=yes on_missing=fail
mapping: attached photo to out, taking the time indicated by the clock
6:26
